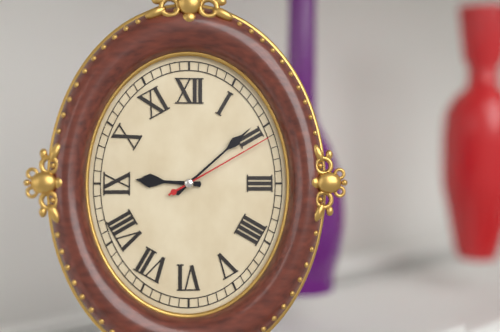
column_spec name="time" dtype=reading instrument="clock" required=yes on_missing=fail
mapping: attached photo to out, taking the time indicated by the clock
9:08:10
